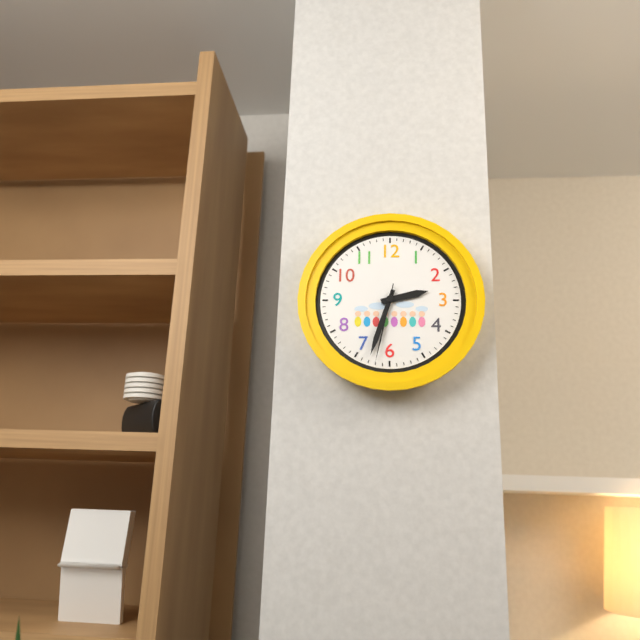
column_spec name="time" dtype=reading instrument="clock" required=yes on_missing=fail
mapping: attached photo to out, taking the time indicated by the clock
2:33:32
